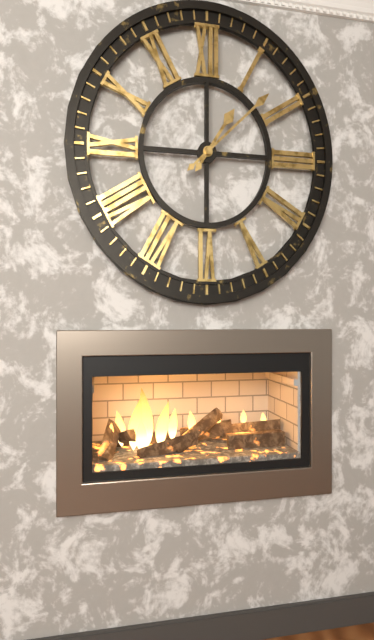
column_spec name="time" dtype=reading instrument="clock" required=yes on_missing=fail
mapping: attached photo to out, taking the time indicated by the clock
1:08
